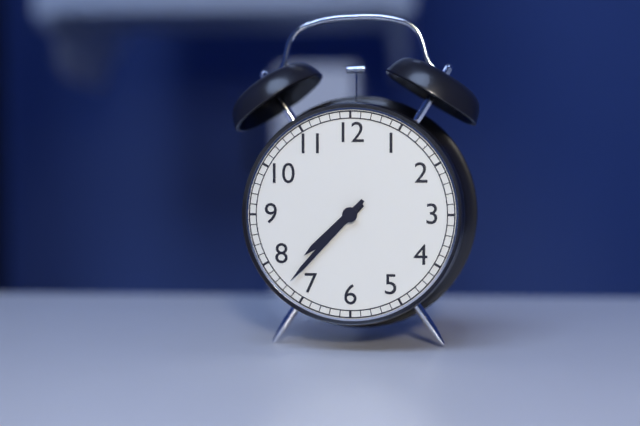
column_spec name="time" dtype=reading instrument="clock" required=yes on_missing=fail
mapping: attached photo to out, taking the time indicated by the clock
7:37
